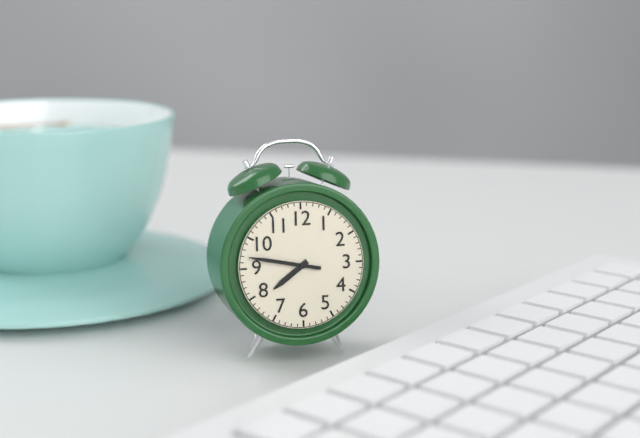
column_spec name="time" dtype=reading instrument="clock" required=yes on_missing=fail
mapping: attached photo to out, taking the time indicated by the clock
7:47
